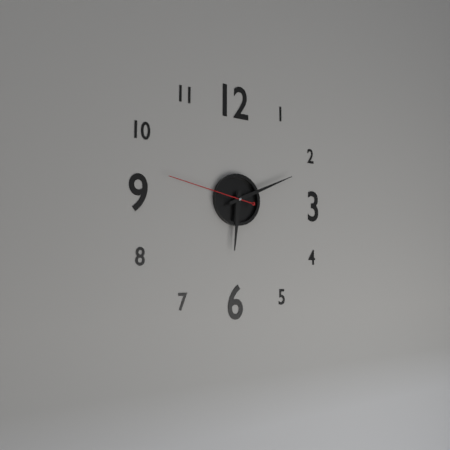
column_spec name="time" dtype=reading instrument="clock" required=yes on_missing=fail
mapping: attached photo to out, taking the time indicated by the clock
6:11:47
